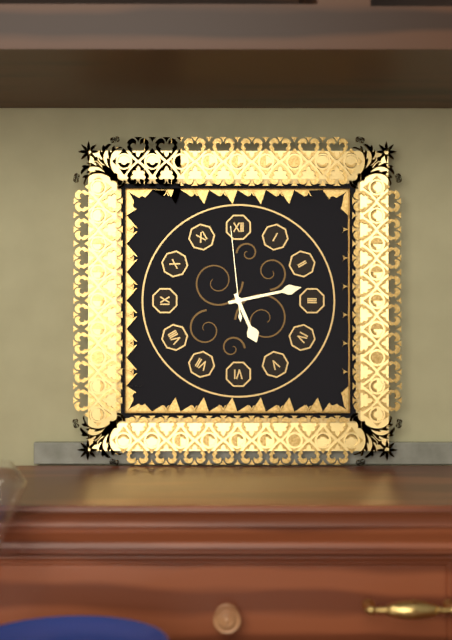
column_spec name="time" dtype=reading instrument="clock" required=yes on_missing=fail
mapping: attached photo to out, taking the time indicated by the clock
5:13:59
